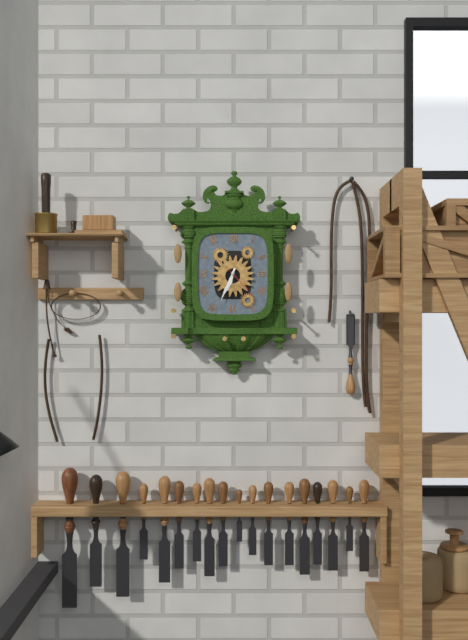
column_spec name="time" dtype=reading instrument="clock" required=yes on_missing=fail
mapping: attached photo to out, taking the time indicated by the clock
6:34
